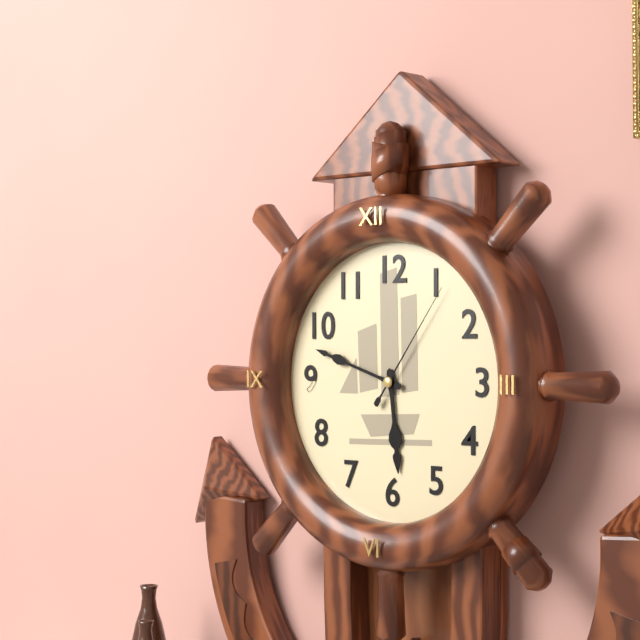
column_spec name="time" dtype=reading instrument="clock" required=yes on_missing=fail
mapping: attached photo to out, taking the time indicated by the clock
5:48:06
